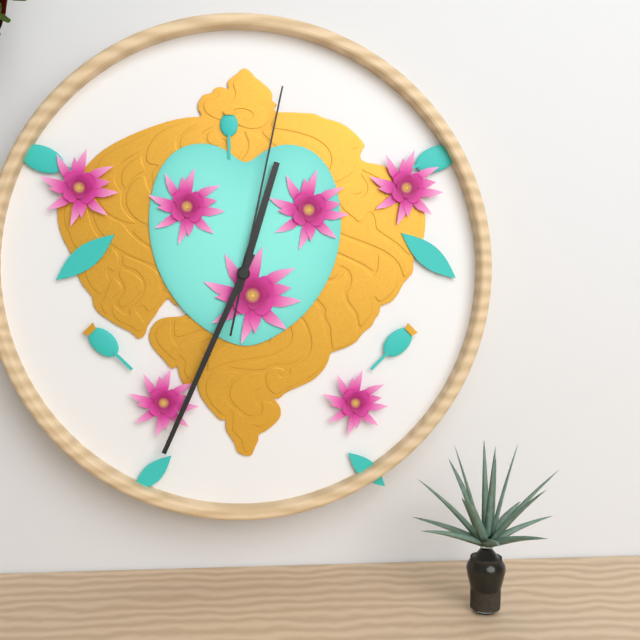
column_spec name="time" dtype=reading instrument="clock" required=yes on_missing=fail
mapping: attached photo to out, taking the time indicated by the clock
12:34:02
